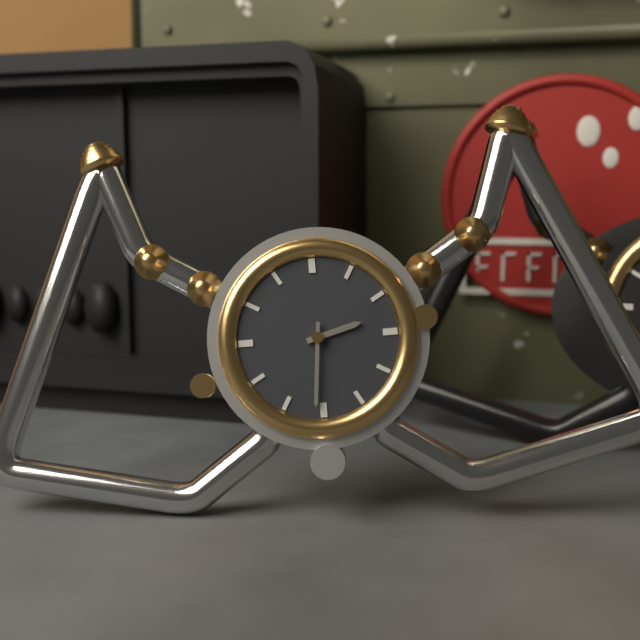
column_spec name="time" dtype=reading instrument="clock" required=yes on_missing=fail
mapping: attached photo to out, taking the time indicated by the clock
2:31
